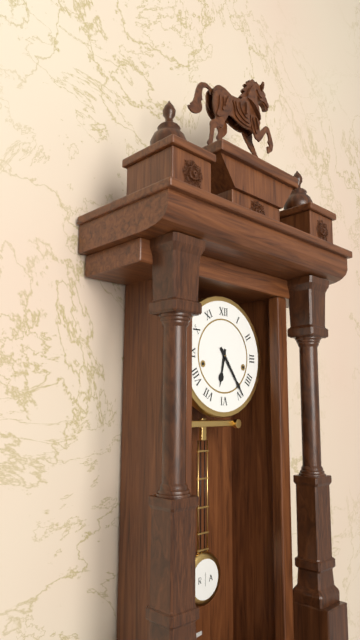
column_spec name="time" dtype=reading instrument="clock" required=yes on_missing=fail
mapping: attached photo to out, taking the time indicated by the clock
6:24
